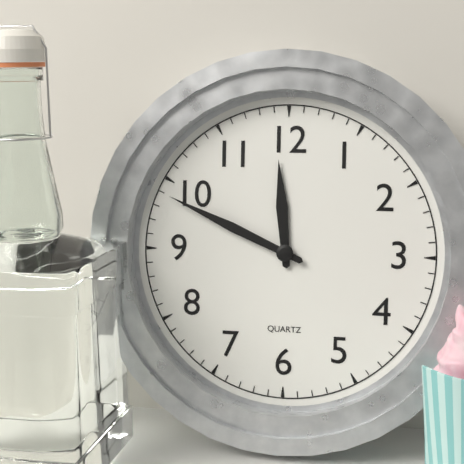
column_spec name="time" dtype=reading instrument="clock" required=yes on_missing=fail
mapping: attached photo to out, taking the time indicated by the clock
11:49
